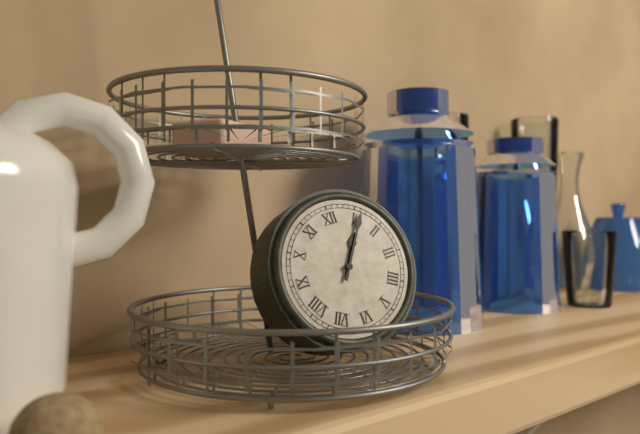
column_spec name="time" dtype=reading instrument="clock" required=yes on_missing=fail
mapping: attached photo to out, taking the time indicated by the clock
1:06
